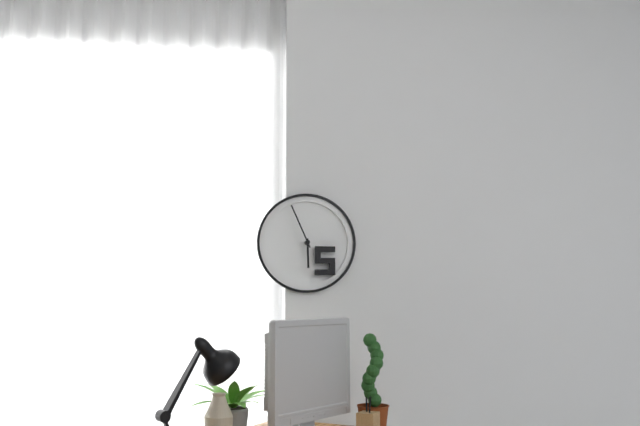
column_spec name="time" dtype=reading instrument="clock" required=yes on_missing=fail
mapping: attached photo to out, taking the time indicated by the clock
5:56
